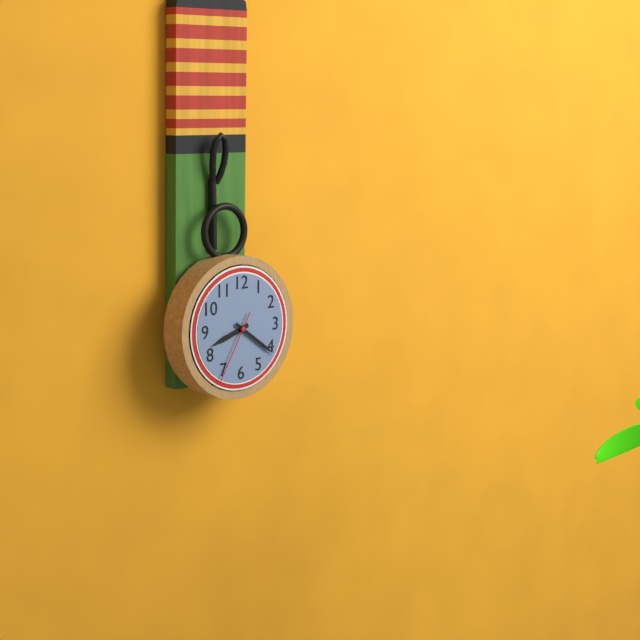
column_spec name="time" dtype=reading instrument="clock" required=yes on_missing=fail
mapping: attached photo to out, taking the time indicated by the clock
8:21:35
